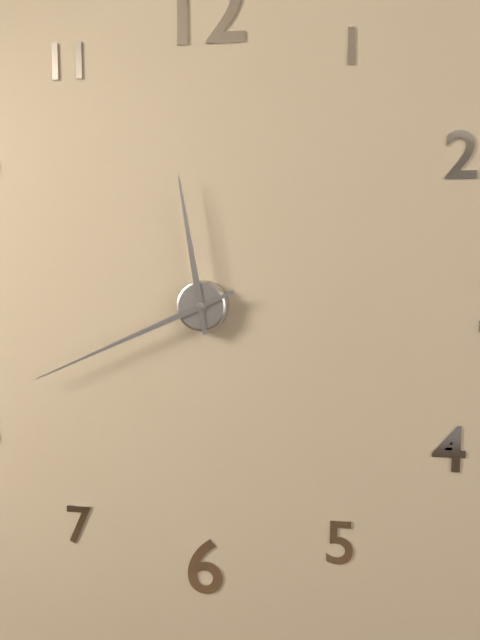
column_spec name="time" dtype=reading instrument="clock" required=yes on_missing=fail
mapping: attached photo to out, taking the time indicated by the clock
11:41
